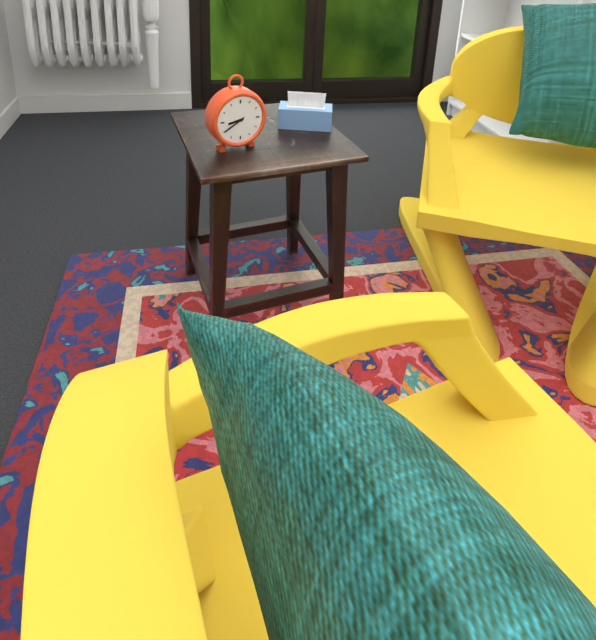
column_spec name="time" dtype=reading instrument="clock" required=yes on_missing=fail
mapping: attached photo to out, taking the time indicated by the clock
8:40
